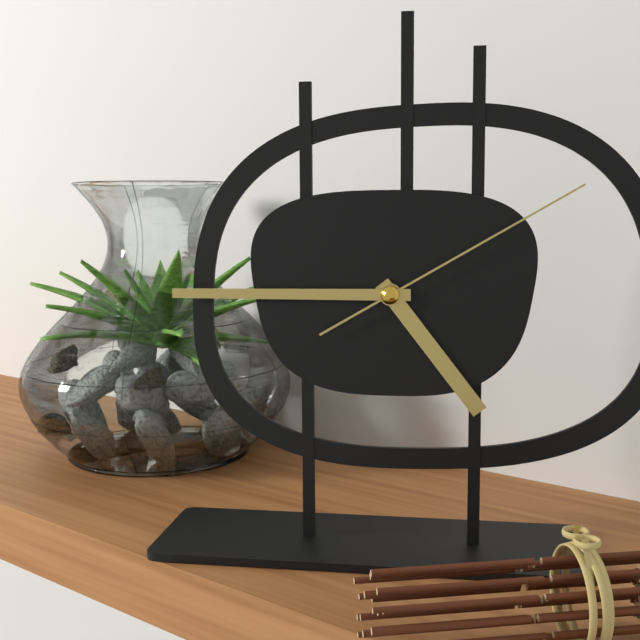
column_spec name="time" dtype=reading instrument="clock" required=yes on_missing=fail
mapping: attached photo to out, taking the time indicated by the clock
4:45:10
